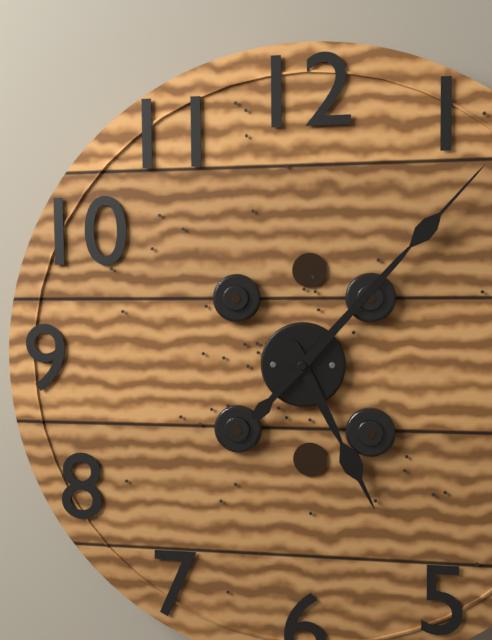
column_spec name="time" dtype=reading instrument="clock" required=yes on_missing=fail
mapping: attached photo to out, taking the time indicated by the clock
5:07
